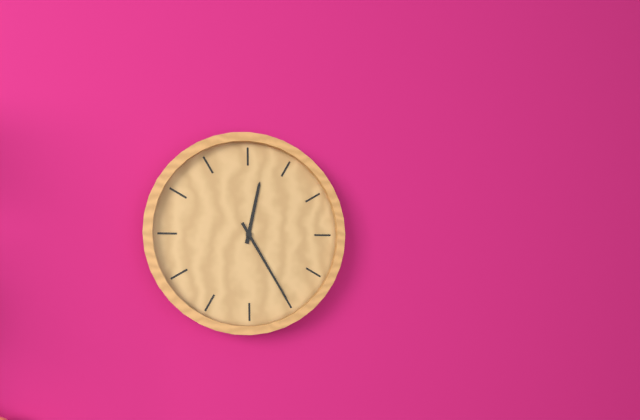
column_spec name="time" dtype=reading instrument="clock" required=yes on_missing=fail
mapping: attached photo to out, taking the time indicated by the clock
12:25
